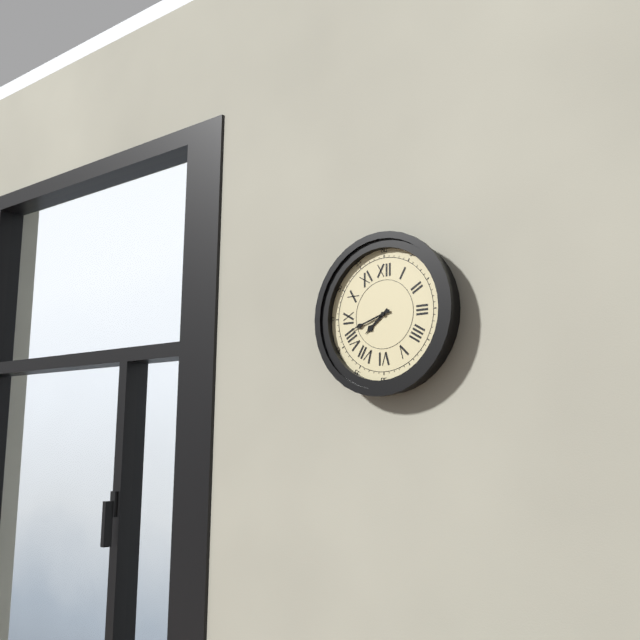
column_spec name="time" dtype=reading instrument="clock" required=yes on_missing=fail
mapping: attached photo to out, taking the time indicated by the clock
7:42
